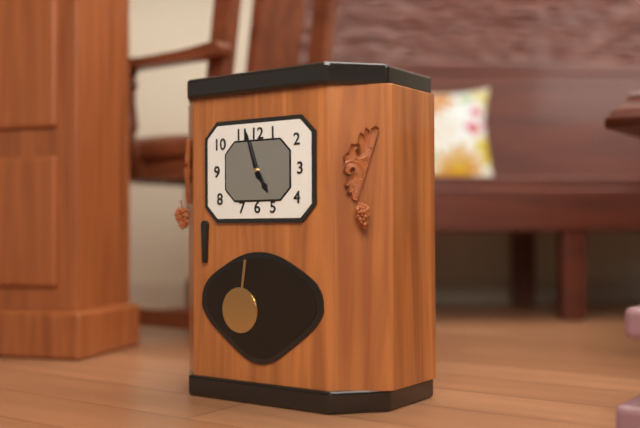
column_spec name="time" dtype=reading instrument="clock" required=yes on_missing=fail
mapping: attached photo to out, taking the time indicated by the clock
4:57
